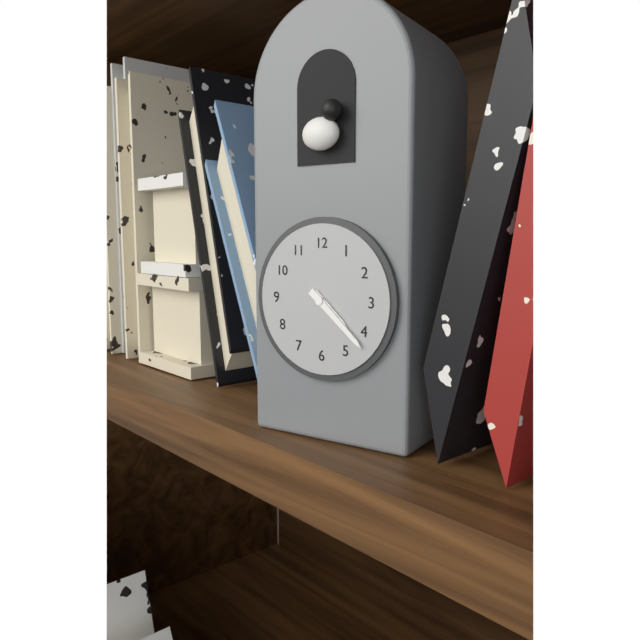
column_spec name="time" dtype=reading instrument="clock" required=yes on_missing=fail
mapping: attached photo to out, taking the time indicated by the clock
4:22
